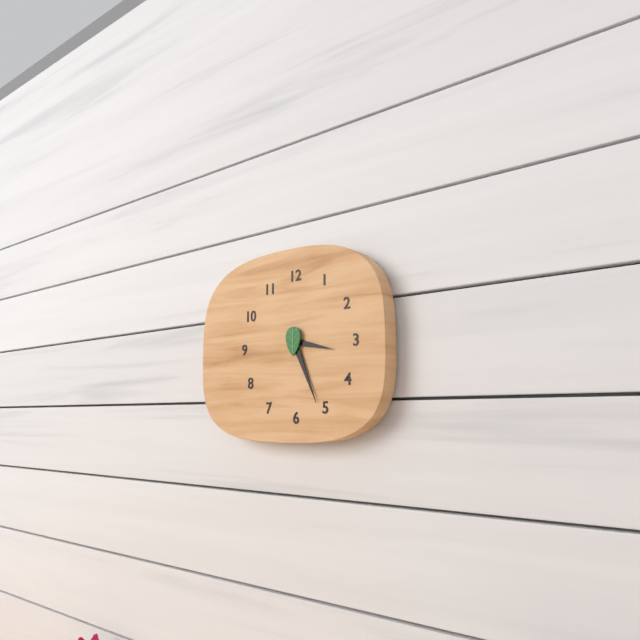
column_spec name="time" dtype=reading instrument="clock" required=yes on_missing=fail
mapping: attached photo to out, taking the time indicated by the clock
3:26
